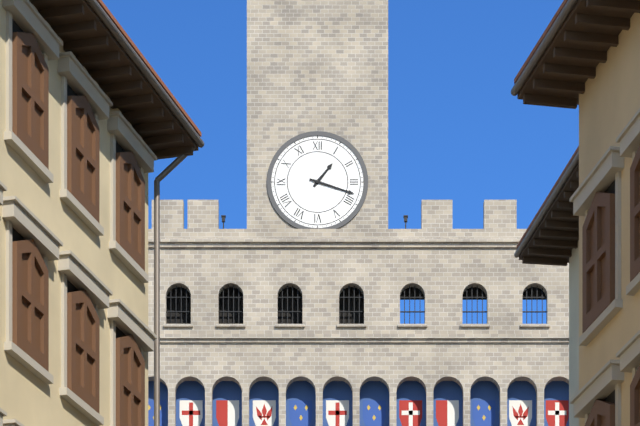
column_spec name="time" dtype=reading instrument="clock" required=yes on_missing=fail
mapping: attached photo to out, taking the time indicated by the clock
1:18
